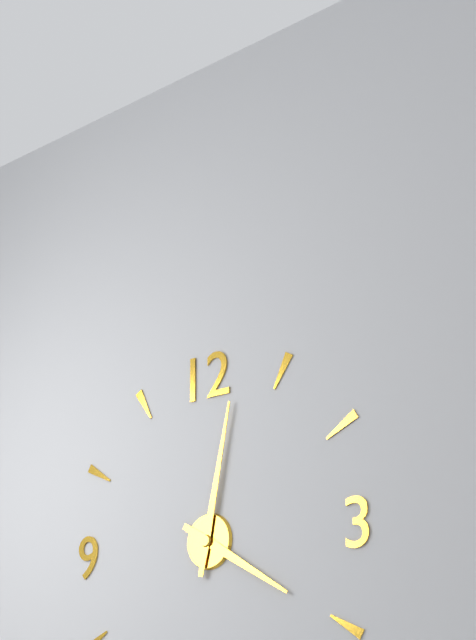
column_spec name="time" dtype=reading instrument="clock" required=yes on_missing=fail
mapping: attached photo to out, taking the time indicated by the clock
4:02
